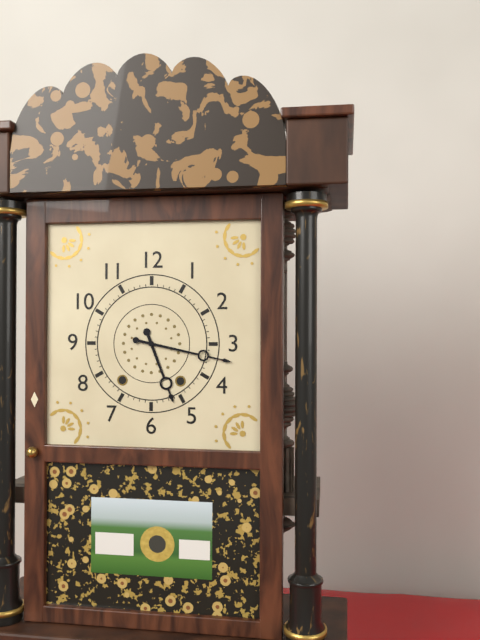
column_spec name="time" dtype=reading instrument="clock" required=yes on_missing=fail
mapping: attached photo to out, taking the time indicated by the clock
5:17
